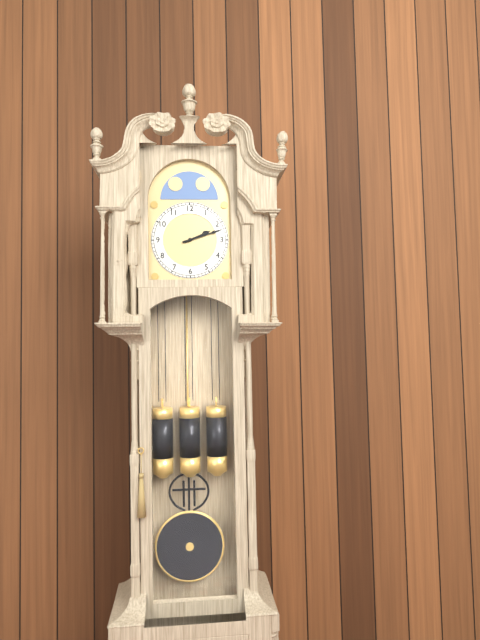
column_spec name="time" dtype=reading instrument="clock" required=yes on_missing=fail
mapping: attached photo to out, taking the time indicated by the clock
2:12
